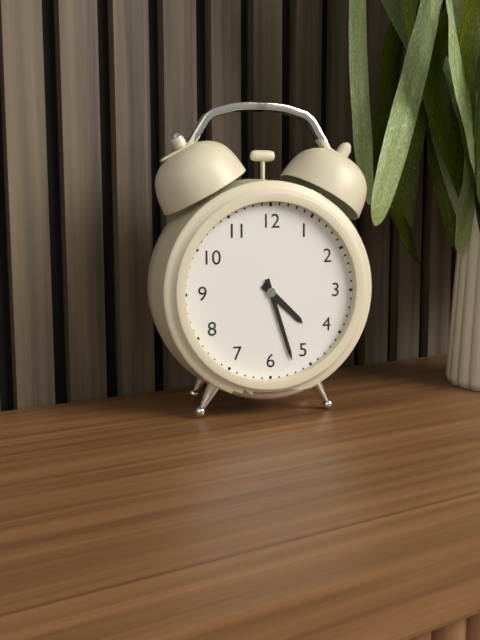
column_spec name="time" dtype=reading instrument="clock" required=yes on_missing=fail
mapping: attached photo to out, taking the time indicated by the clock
4:27
